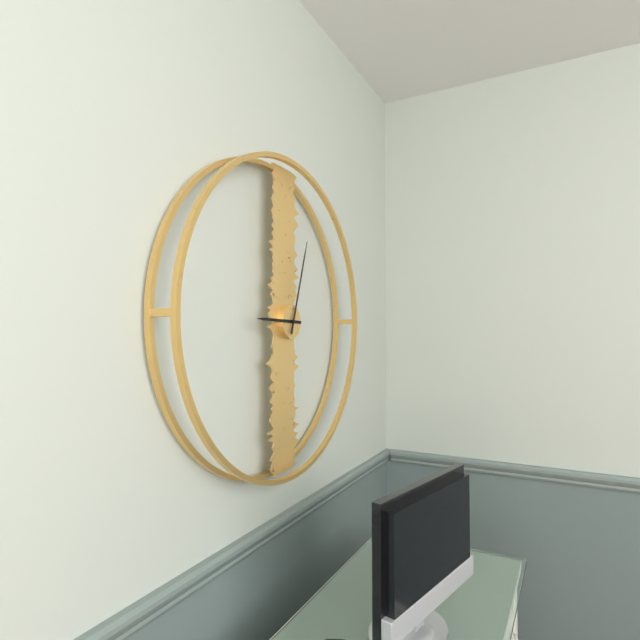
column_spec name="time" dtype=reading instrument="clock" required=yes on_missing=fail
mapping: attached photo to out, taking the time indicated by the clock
9:03
